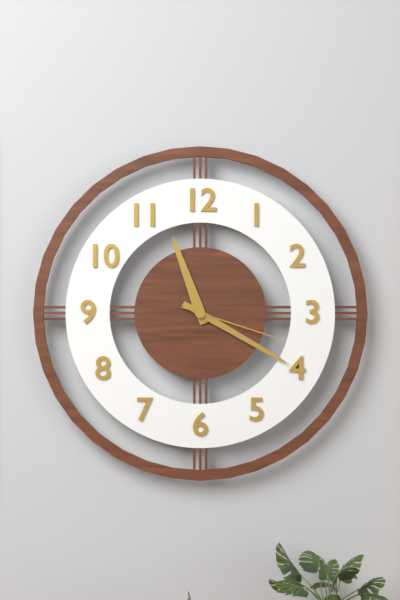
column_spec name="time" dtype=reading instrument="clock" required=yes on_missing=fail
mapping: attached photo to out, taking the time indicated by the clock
11:20:18
